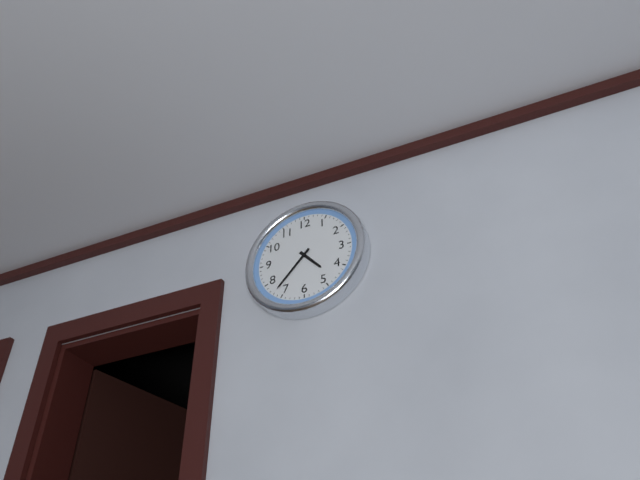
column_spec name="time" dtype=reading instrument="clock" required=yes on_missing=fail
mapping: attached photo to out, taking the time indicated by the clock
4:37
